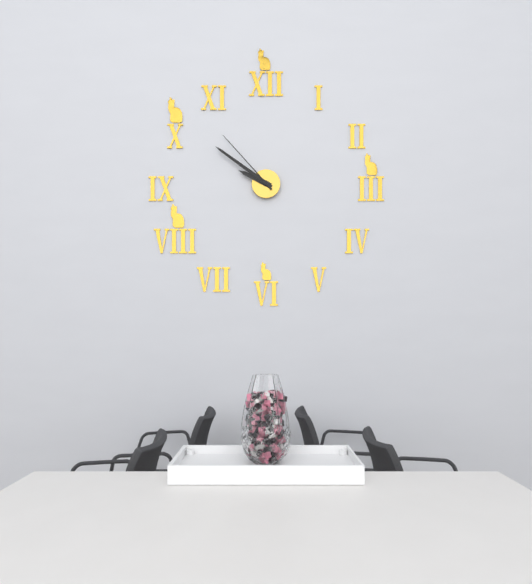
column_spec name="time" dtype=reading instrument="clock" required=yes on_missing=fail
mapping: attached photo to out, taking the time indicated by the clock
9:51:53
